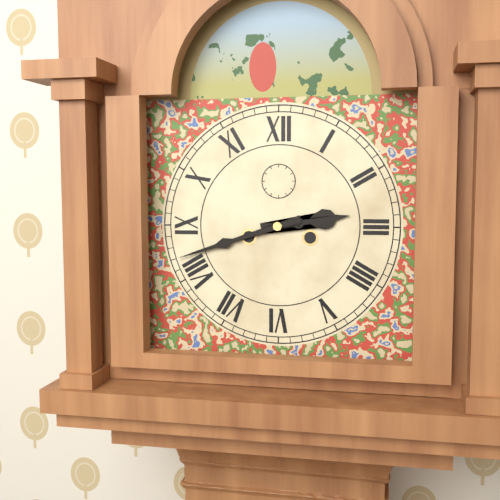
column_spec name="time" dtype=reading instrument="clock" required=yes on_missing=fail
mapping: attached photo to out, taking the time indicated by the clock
2:42
